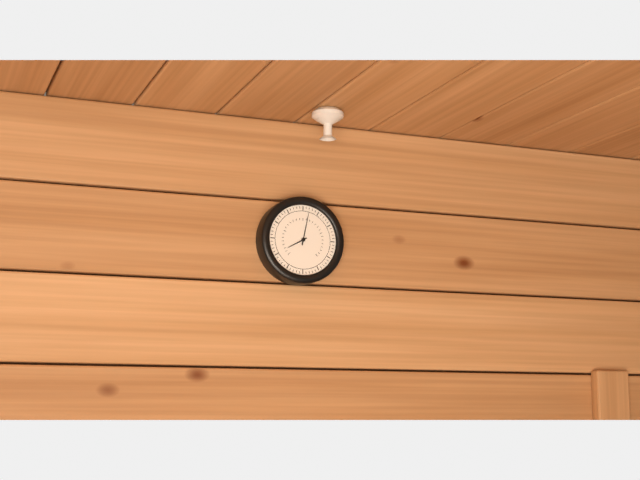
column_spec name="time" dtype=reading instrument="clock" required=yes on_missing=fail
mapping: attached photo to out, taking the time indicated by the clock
8:02
